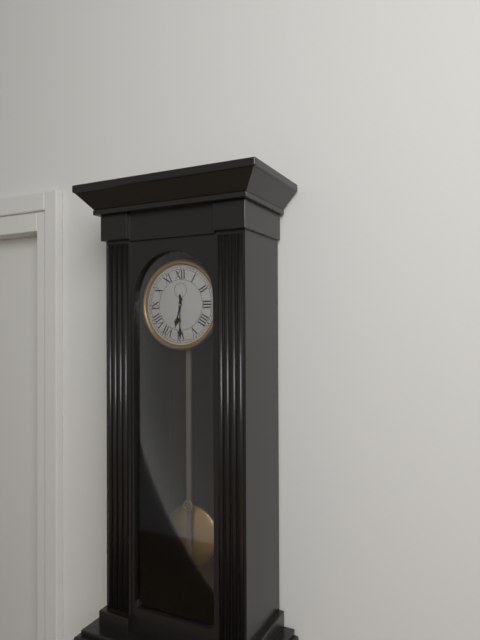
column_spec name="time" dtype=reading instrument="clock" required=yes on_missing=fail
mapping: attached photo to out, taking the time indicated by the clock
6:30
